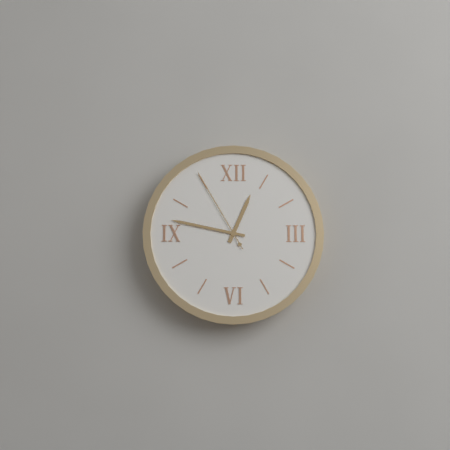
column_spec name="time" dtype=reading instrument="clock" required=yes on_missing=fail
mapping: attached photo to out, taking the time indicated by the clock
12:47:55
